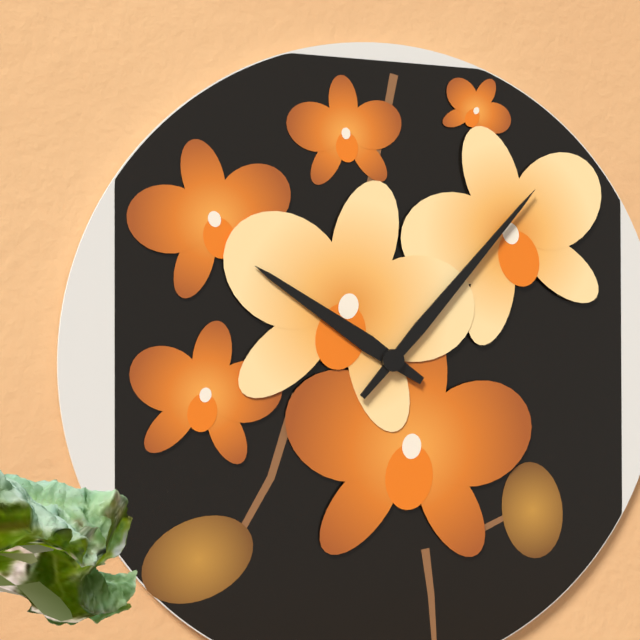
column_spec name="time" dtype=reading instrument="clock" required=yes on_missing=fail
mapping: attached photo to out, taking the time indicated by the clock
10:07
